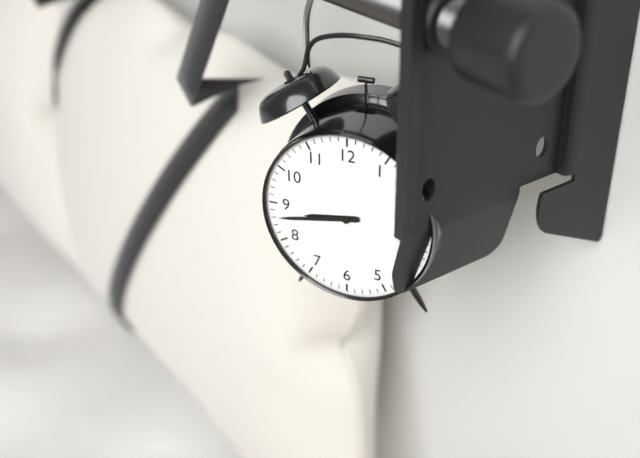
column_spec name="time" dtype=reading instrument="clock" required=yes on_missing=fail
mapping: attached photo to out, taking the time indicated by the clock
8:43
